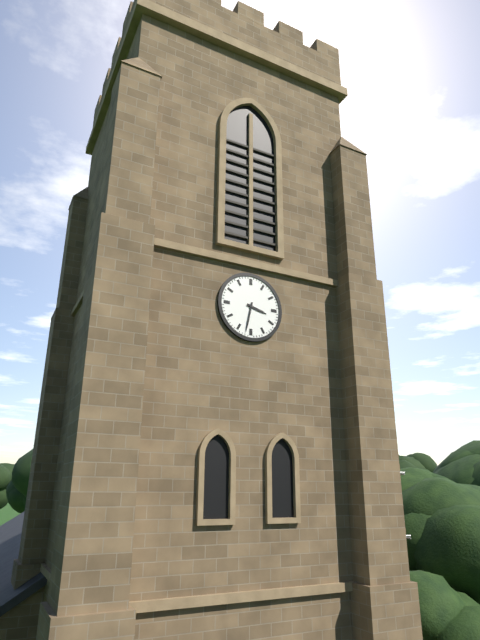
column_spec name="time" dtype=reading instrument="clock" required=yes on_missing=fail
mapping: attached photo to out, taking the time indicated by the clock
3:32
